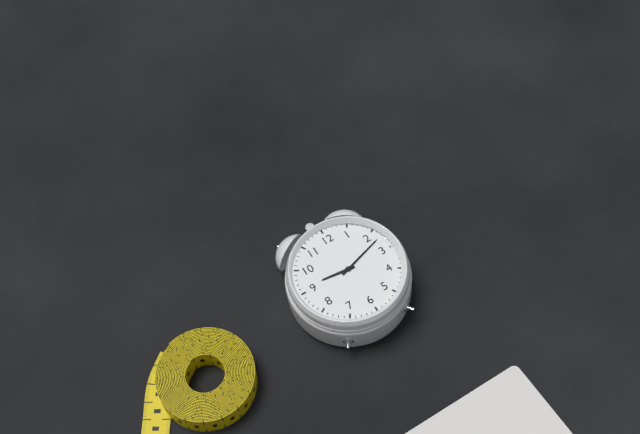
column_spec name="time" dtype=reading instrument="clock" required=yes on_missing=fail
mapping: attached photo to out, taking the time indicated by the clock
9:12
